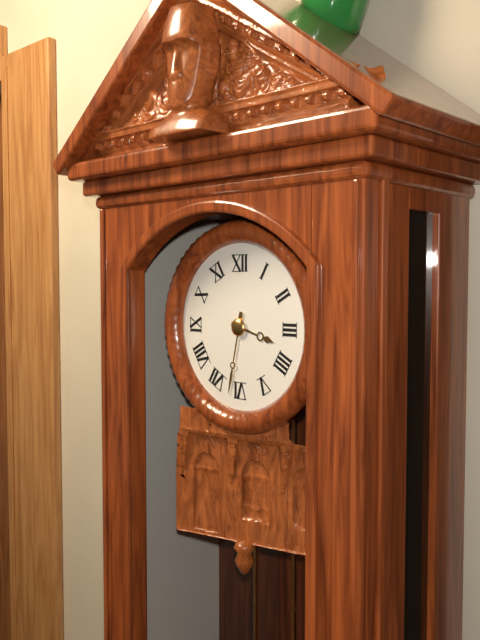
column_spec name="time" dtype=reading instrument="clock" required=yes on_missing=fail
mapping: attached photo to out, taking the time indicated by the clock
3:32
